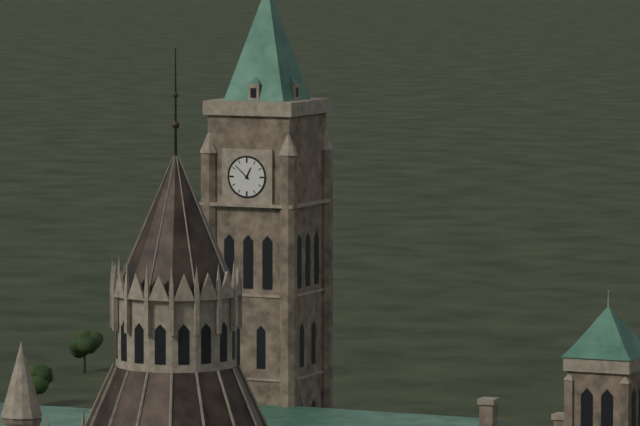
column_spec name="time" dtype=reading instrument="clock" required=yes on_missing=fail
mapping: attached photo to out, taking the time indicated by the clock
12:52
